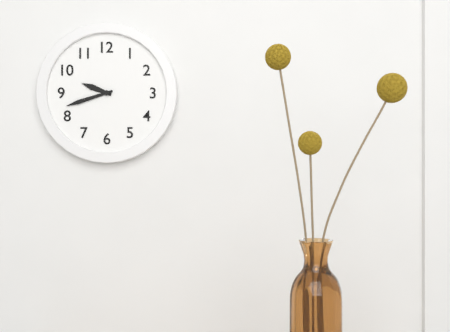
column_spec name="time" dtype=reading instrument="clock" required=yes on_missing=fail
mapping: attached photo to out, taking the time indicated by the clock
9:42
